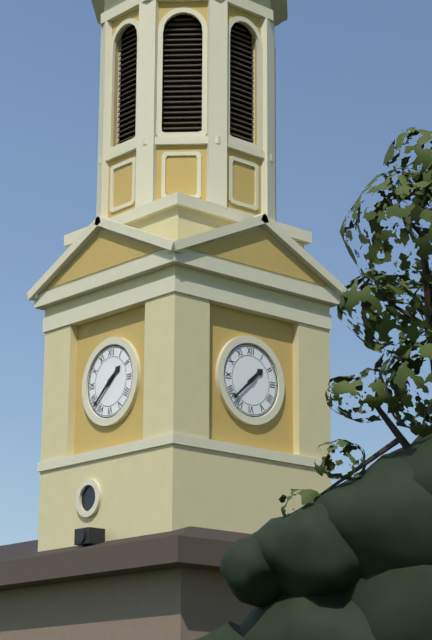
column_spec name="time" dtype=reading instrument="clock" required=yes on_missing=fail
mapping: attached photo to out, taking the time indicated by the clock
1:38
